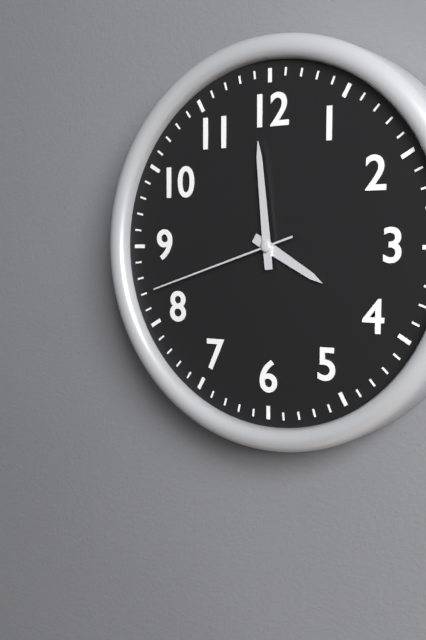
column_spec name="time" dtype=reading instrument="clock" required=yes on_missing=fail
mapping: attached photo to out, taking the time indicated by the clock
3:59:42
